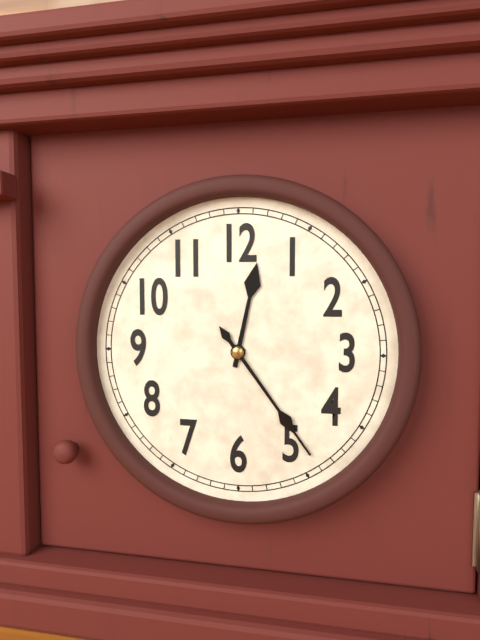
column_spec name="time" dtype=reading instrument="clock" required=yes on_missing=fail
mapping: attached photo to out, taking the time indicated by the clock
12:24
